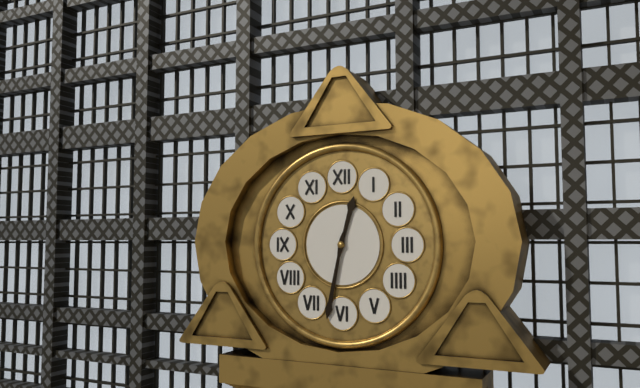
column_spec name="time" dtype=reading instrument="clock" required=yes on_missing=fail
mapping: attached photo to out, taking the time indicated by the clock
12:32
